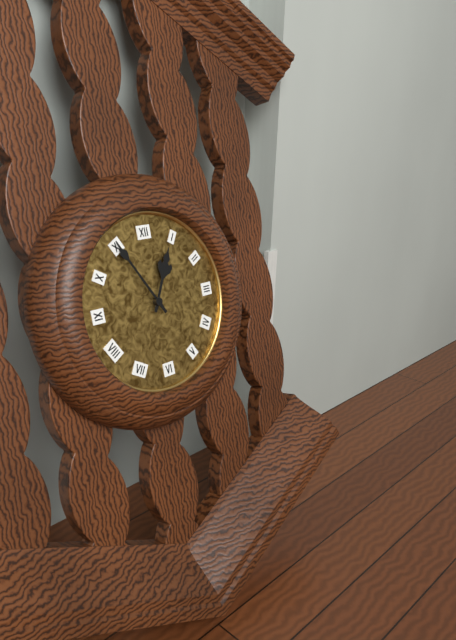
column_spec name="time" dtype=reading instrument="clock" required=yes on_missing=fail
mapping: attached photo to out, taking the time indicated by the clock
12:55
